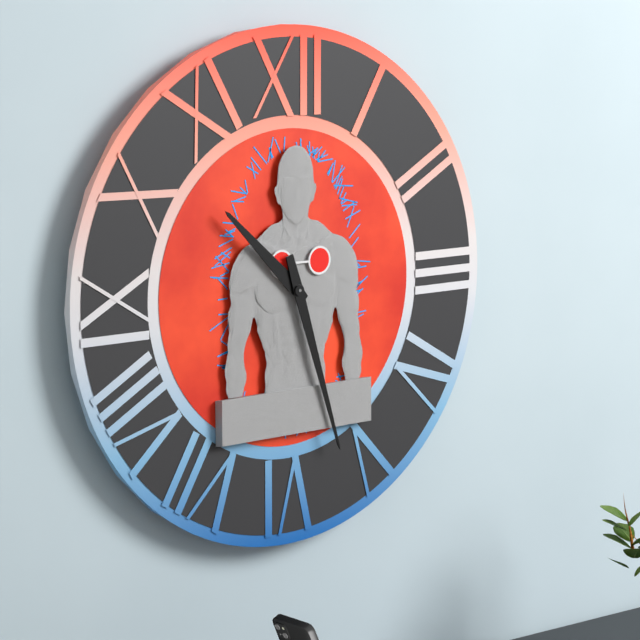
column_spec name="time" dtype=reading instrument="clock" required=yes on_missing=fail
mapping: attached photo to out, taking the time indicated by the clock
10:27
